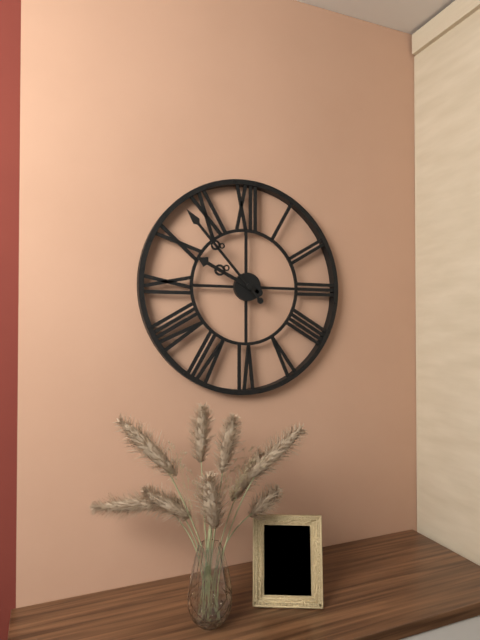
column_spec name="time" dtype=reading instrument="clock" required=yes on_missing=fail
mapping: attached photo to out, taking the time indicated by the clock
9:53
